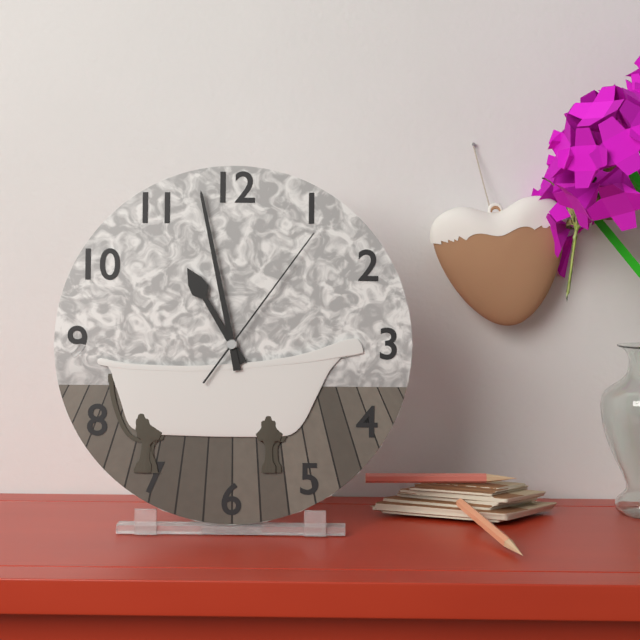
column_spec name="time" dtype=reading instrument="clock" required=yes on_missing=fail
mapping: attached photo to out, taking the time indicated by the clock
10:58:06
